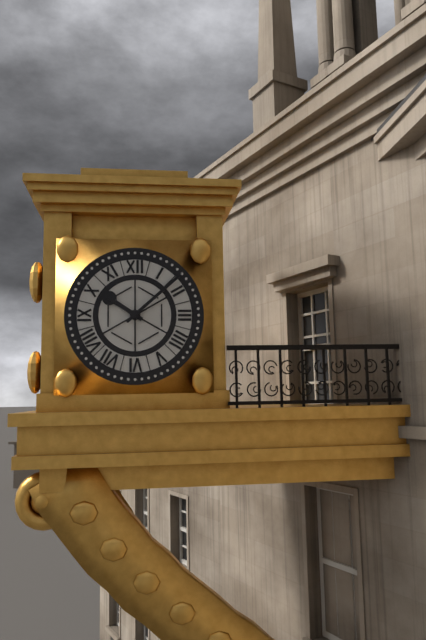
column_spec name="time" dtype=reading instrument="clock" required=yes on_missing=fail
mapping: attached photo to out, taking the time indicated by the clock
10:08
